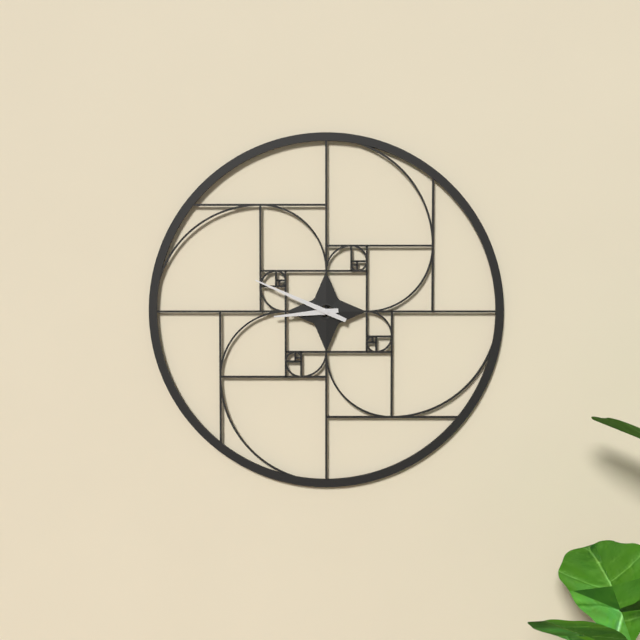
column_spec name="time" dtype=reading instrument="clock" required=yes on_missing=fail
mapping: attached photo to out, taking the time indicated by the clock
8:49
